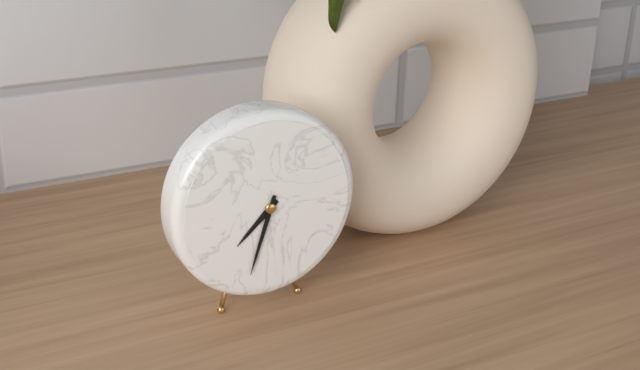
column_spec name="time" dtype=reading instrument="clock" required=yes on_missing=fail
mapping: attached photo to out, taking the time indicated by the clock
7:33
